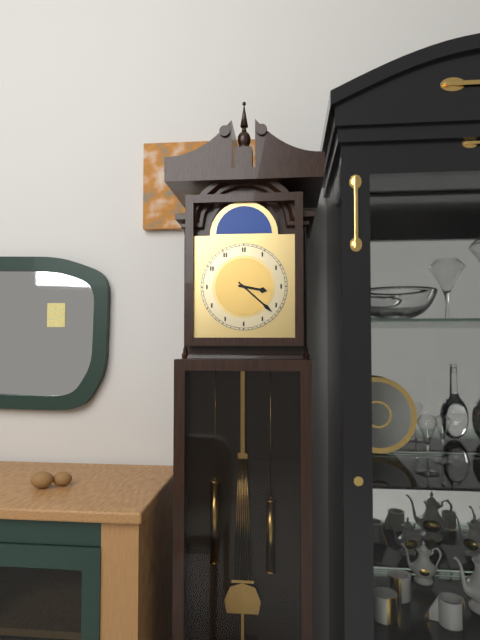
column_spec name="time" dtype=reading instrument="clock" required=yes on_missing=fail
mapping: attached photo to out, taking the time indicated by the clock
3:22
